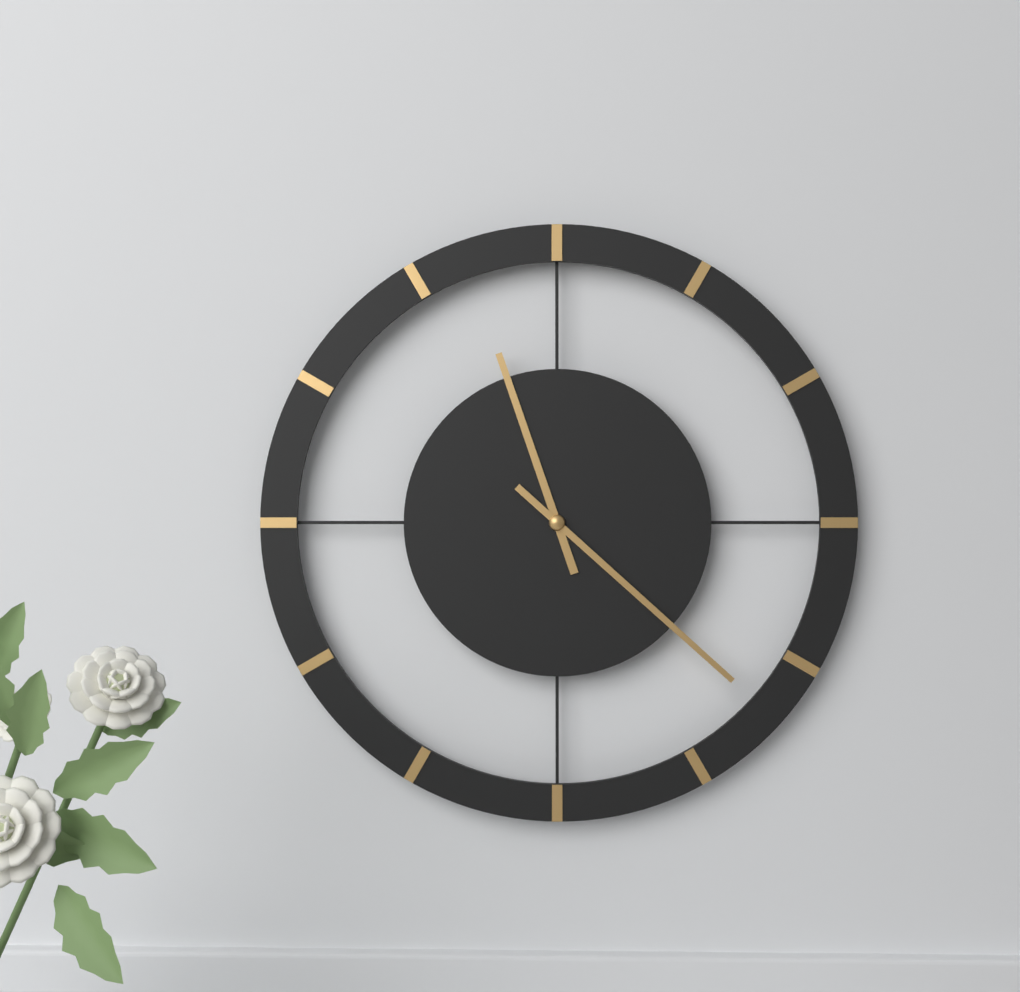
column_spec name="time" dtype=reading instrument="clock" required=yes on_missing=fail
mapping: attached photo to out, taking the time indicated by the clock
11:22
